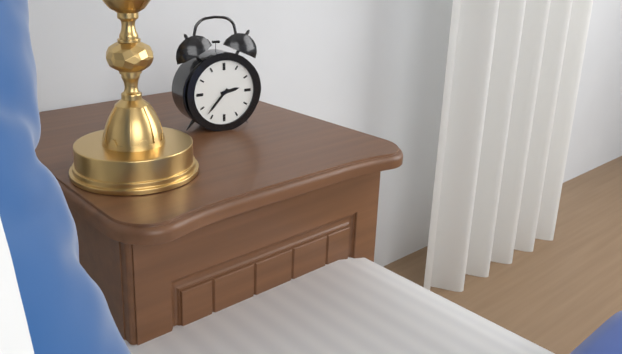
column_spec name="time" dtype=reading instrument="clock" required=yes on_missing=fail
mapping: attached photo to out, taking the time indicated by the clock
2:37
